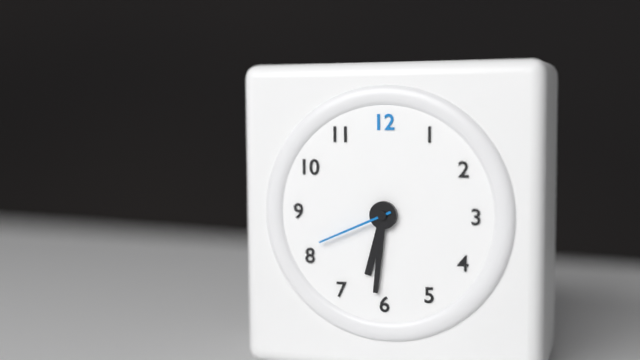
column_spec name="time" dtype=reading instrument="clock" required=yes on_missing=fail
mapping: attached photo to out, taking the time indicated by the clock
6:31:41
